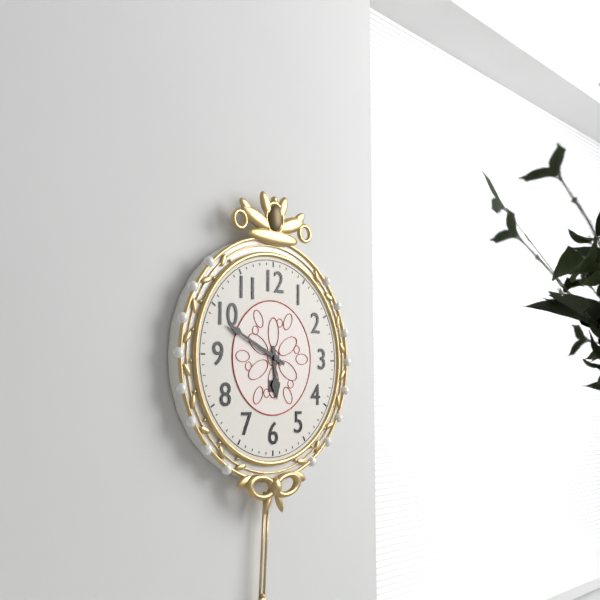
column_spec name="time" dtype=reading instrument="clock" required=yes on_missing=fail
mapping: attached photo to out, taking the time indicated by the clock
5:49
